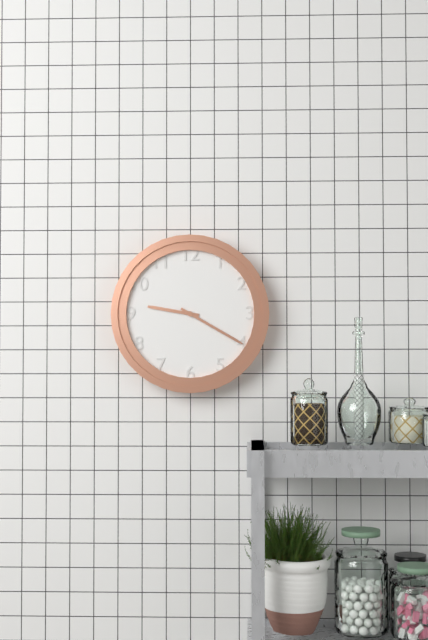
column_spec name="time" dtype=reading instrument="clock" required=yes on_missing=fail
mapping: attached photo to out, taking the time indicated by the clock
9:20
